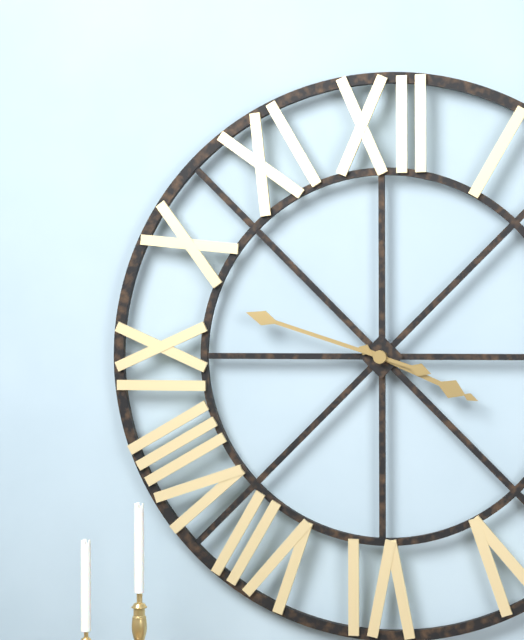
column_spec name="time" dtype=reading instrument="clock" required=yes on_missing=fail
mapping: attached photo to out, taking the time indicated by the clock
3:48
